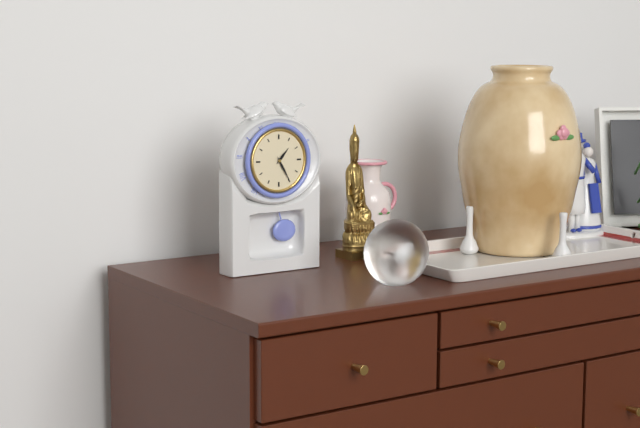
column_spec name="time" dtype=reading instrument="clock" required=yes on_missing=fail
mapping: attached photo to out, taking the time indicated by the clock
1:25
